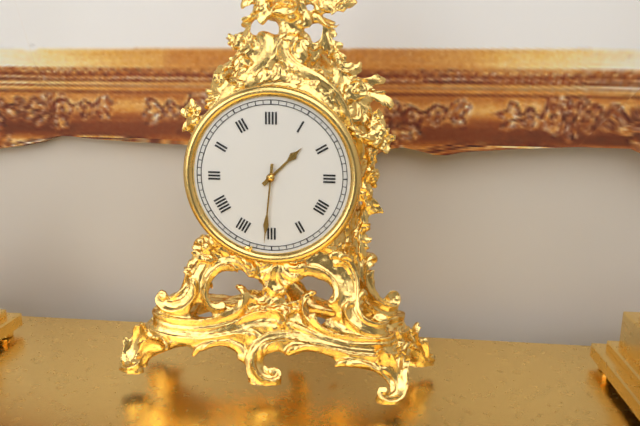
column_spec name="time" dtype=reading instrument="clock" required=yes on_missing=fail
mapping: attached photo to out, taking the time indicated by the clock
1:31
